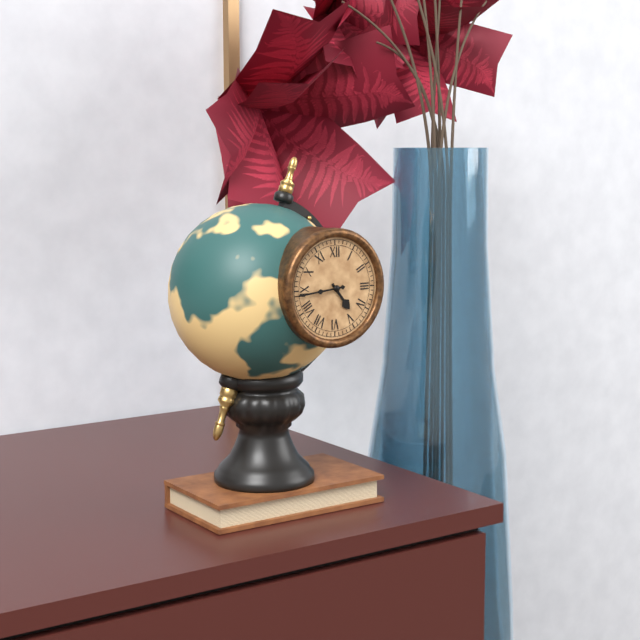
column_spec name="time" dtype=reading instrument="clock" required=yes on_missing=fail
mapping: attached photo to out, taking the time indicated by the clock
4:44
